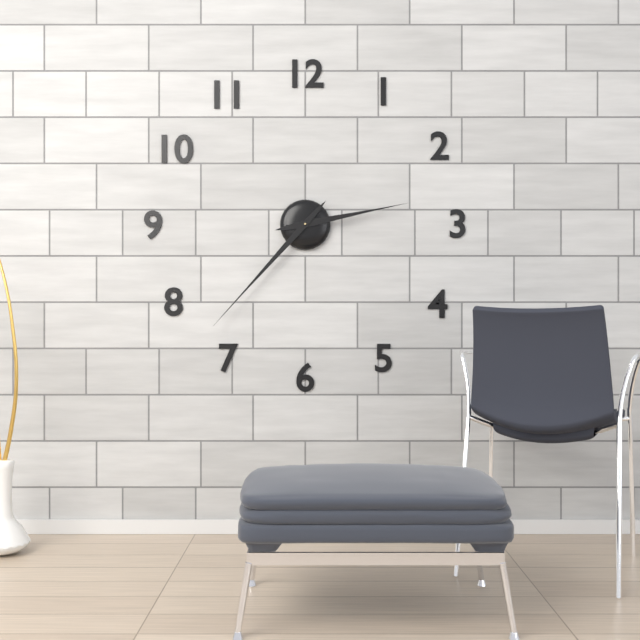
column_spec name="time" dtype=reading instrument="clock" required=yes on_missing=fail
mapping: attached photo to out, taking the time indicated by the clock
2:37
